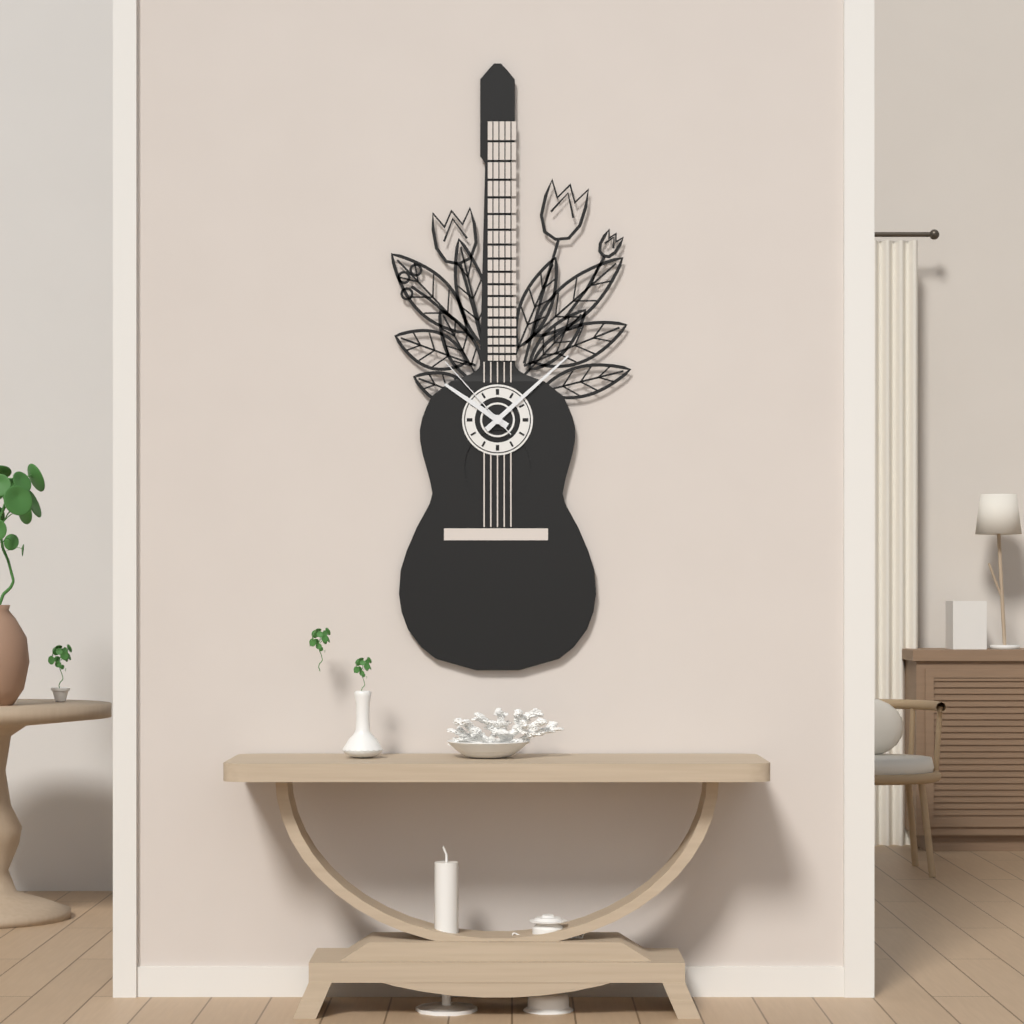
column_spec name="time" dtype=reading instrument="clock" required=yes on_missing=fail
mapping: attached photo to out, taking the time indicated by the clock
10:08:53
